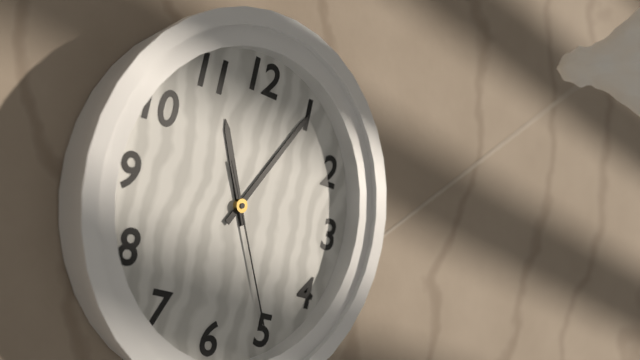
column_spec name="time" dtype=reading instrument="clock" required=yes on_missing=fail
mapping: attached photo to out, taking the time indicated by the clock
11:05:25
